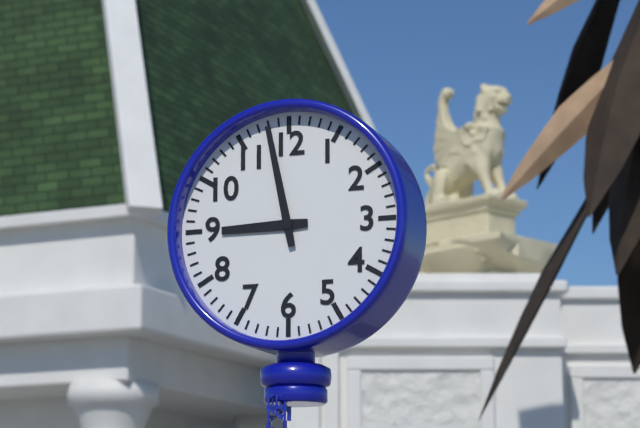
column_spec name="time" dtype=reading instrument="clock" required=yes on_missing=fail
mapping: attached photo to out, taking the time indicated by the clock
8:58
